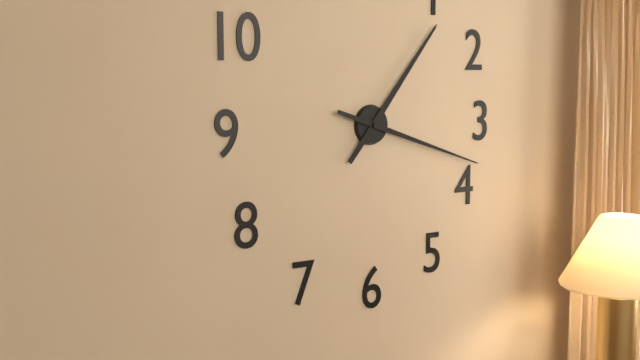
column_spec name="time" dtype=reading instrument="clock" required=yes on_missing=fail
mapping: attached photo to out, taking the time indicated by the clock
1:18
